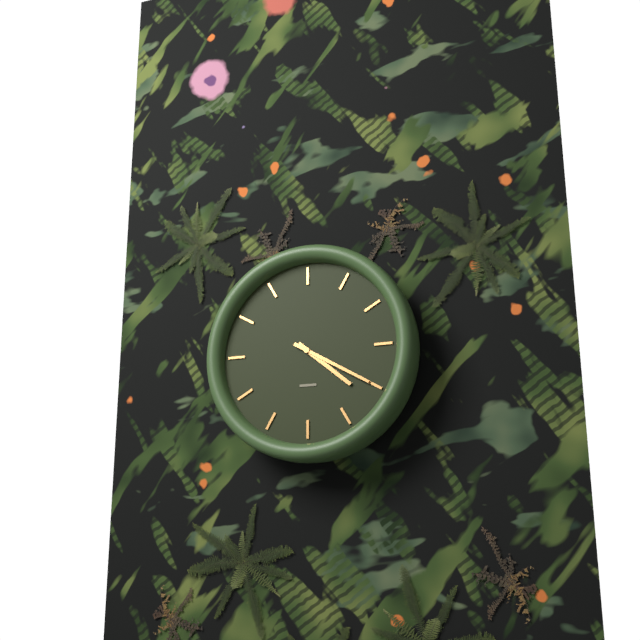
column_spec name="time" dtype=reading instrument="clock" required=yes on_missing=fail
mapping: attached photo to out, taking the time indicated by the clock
4:20
